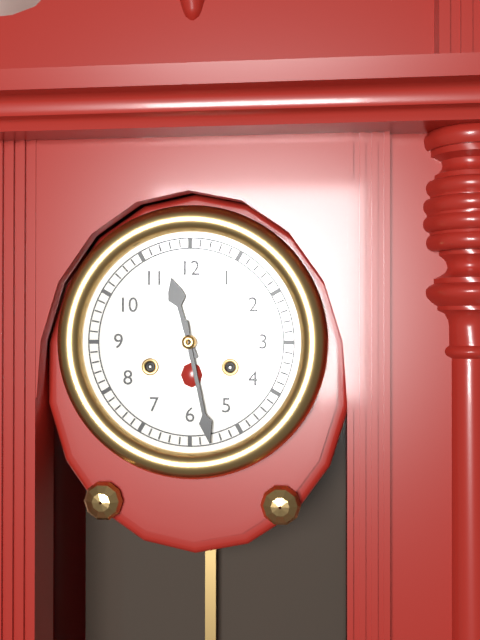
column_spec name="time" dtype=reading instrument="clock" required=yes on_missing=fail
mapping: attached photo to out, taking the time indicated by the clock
11:28
